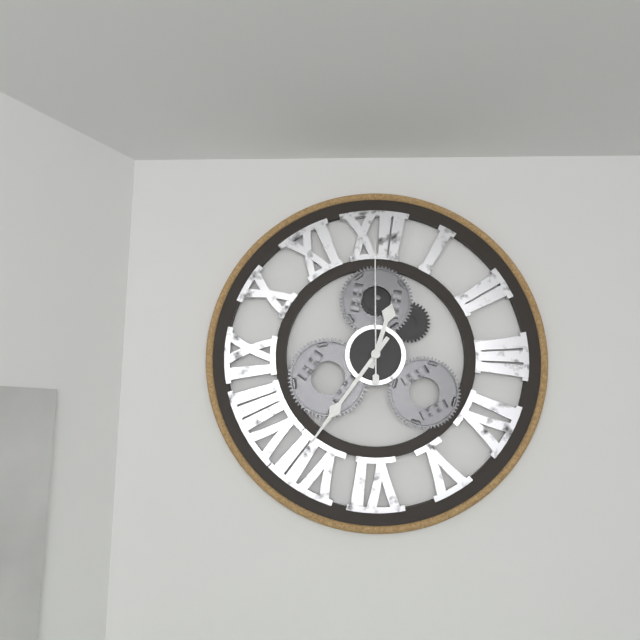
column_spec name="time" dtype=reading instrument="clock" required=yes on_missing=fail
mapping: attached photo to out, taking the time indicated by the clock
12:36:00
